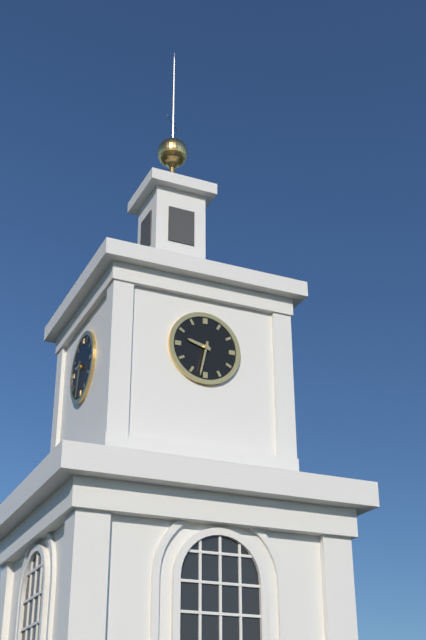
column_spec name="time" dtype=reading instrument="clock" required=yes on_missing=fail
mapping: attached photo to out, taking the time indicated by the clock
9:32
